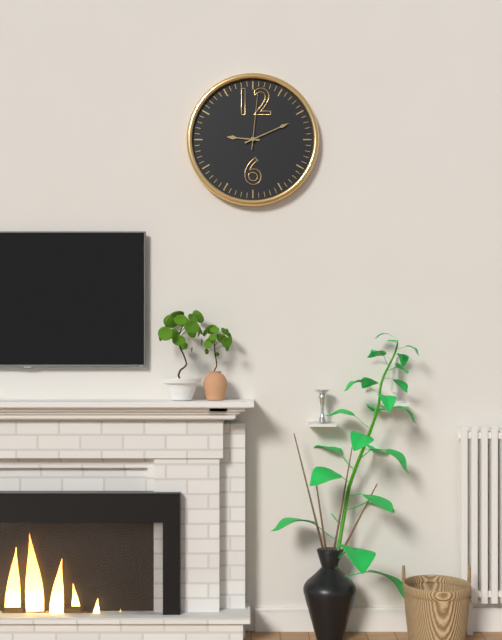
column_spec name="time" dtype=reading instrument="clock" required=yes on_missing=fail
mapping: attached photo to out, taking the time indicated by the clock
9:11:01
